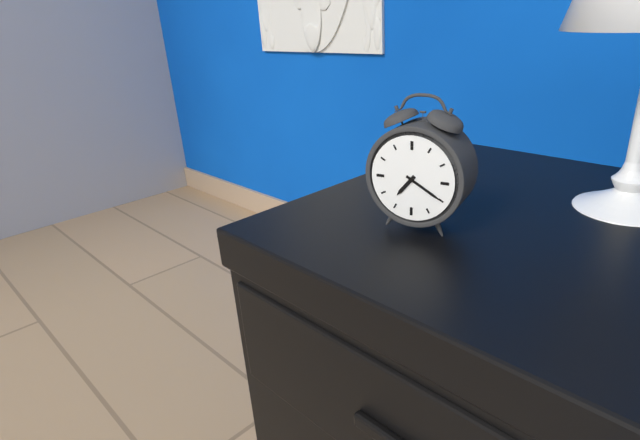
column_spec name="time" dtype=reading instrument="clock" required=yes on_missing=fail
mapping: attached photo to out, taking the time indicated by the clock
7:20
